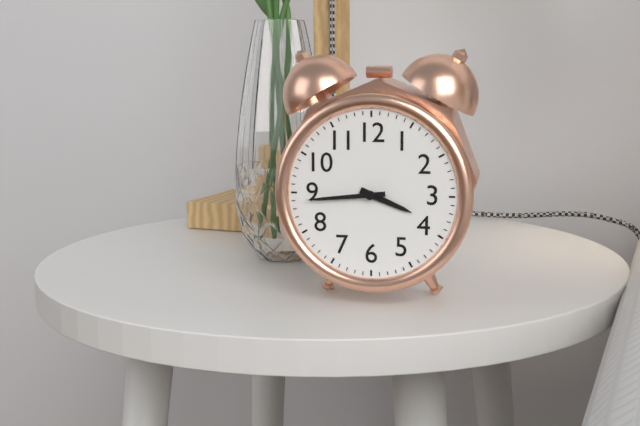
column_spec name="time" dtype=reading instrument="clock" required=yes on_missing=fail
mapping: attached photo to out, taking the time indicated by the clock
3:44
